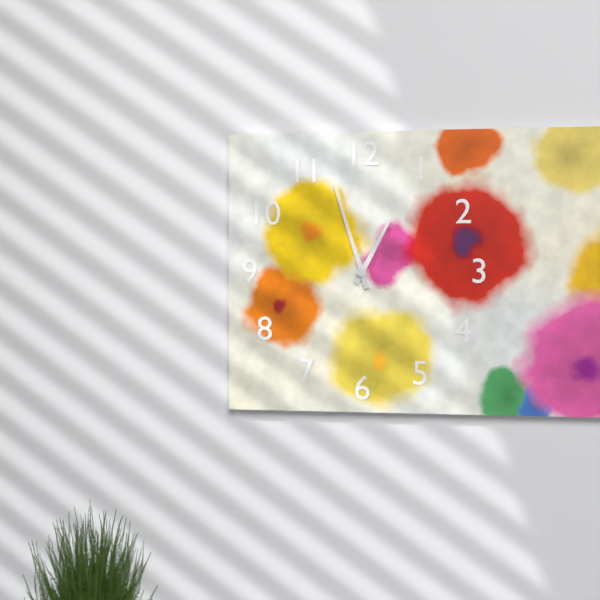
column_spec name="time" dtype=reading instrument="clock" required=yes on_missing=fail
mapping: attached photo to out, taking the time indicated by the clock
12:57
